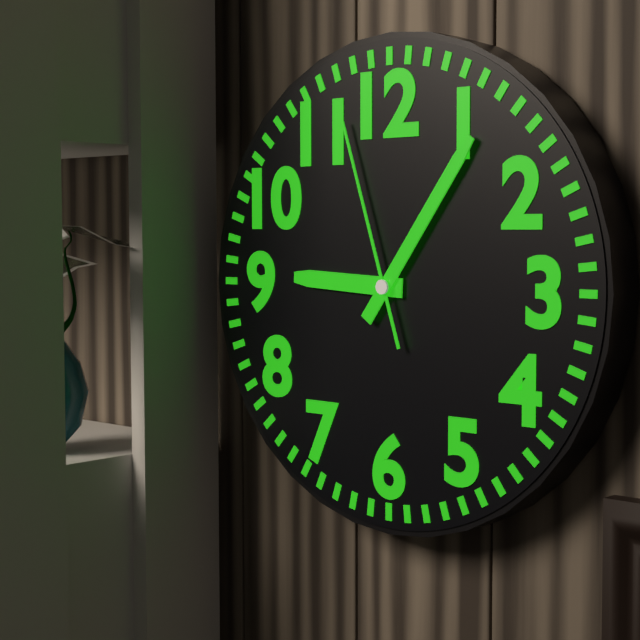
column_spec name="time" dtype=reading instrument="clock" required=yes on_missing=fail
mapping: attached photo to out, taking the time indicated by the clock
9:06:57
